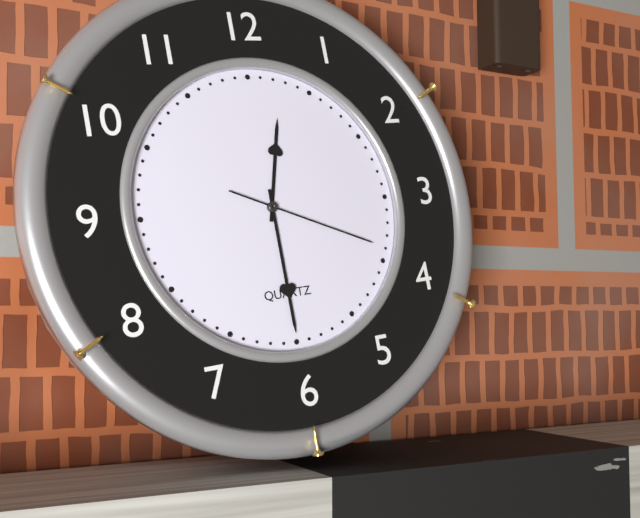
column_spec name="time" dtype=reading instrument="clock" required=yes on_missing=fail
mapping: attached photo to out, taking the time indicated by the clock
12:30:19
